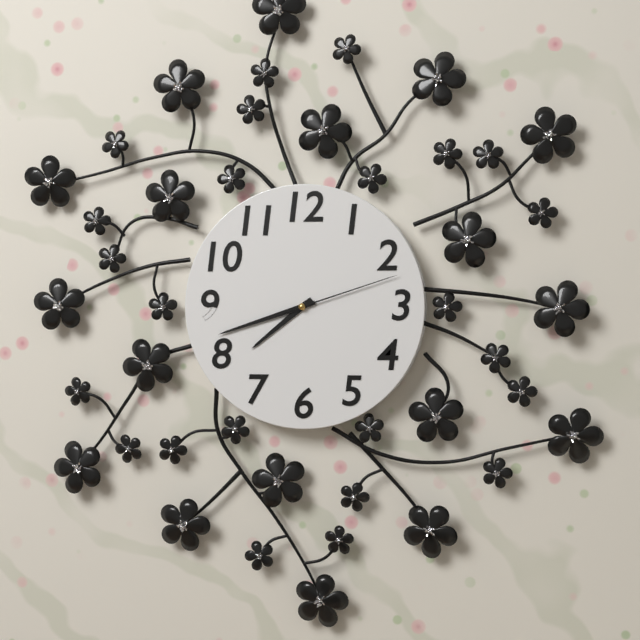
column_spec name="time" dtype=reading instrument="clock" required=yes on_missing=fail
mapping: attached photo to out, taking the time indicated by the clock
7:42:12
